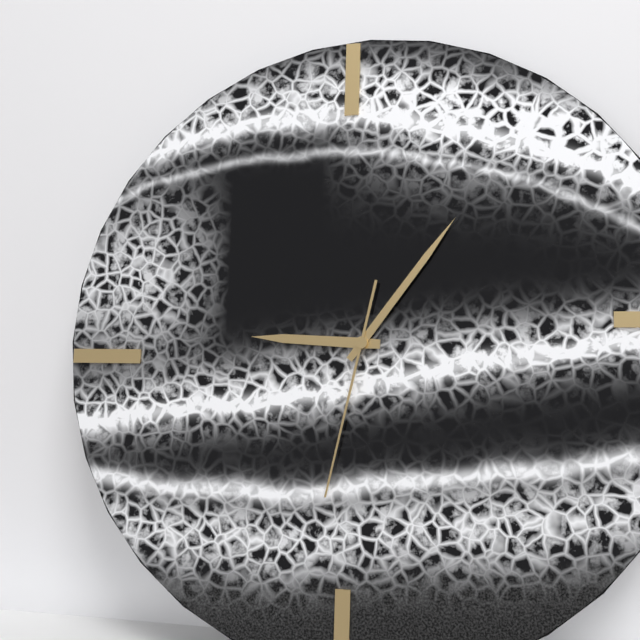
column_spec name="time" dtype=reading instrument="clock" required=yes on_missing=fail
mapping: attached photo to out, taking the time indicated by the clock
9:06:32
